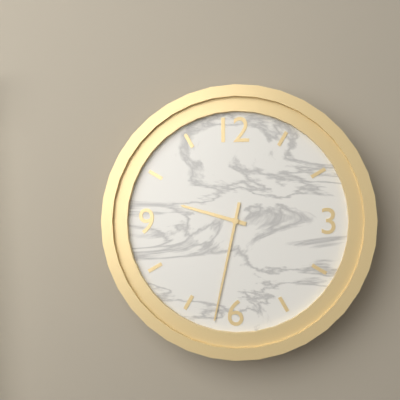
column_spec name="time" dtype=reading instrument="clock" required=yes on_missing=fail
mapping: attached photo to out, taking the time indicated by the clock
9:32
